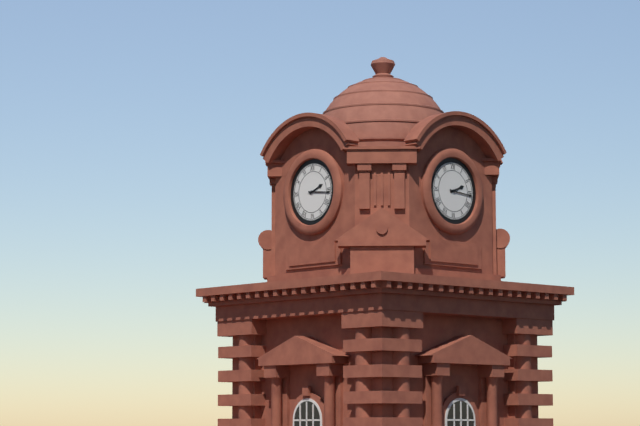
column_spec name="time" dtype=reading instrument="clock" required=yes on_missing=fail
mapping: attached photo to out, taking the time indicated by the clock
2:16
